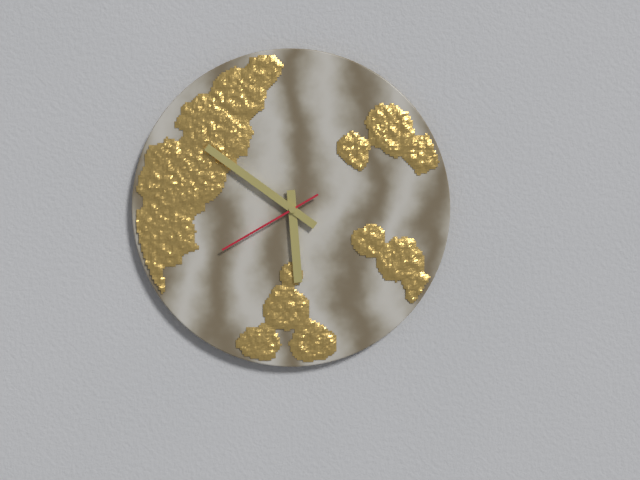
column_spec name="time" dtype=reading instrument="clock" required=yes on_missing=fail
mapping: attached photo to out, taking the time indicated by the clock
5:51:40
